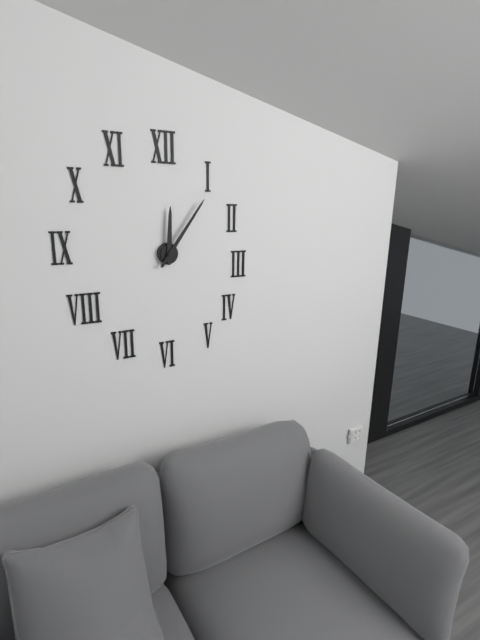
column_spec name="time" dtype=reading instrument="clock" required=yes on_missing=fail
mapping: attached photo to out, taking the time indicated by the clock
12:06
